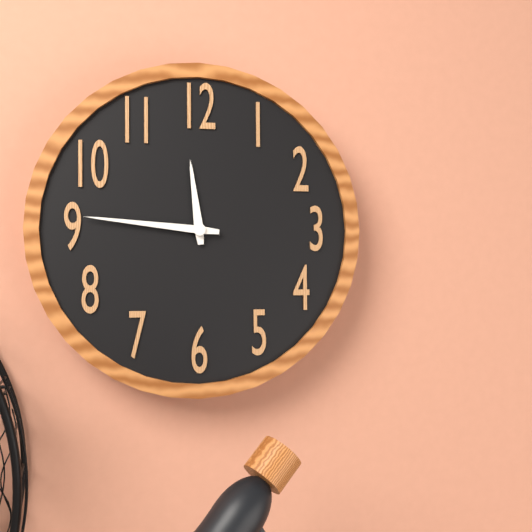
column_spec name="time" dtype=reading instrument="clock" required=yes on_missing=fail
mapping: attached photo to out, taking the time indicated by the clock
11:46
